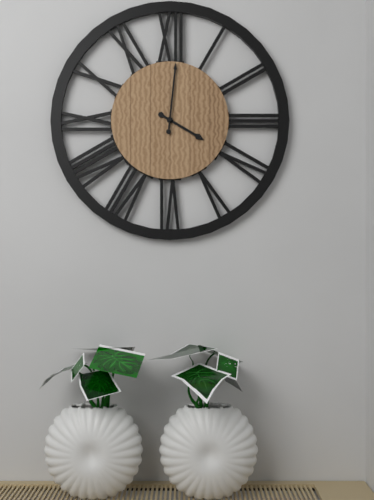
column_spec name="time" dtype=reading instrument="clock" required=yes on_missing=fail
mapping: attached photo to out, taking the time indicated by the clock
4:01
